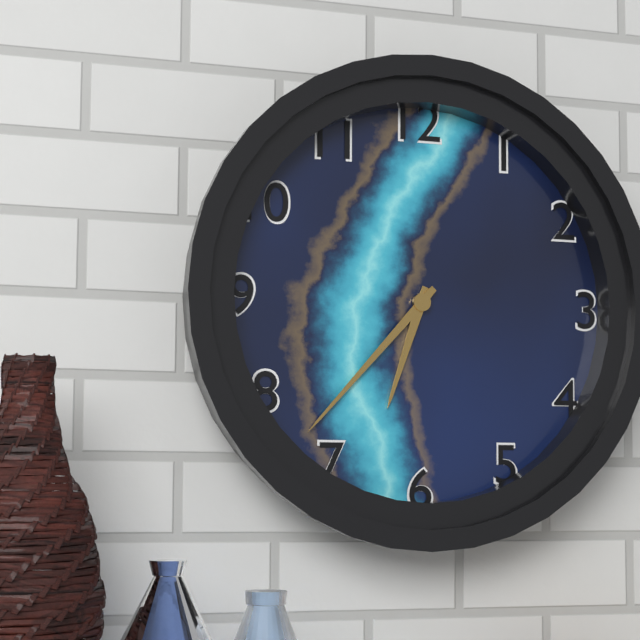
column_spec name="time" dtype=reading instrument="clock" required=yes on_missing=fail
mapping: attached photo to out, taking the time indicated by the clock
6:37
